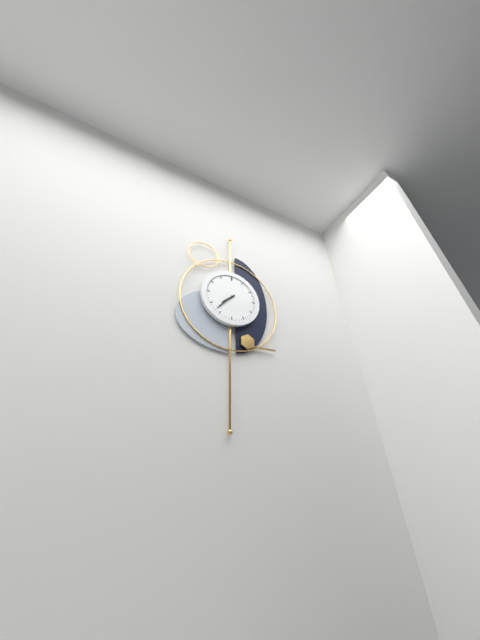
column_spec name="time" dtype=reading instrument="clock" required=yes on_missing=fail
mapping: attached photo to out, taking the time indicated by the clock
7:37
